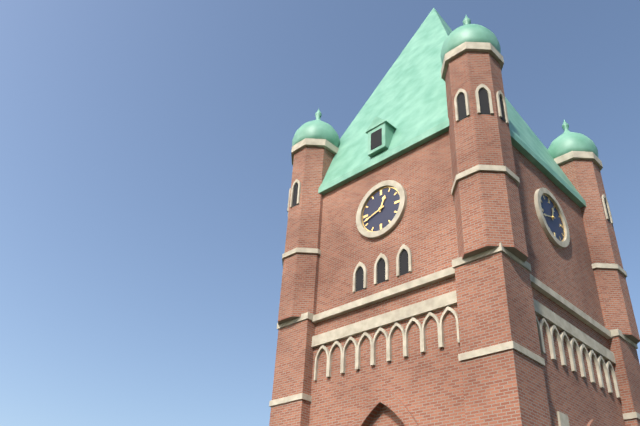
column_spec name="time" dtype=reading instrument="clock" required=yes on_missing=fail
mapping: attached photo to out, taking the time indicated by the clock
12:42
